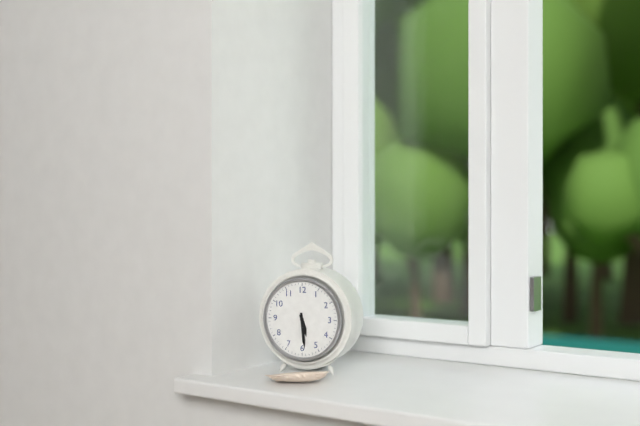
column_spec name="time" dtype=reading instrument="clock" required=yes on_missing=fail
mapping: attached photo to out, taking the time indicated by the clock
5:29
